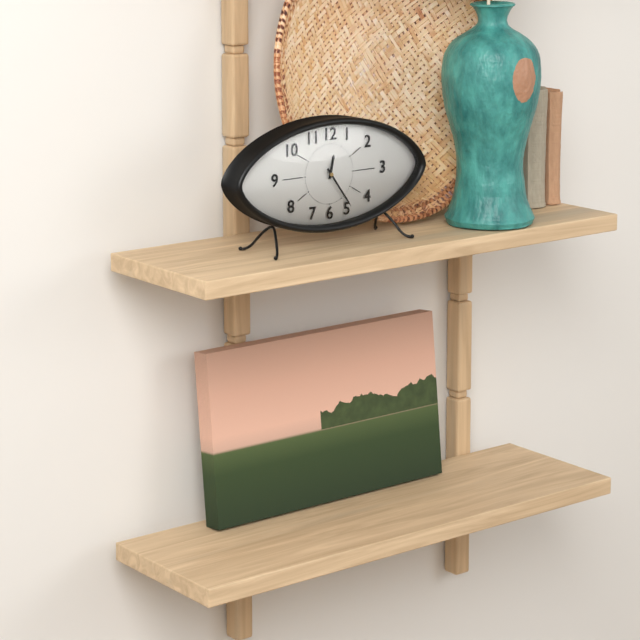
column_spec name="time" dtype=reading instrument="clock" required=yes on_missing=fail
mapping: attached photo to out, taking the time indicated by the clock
12:24
